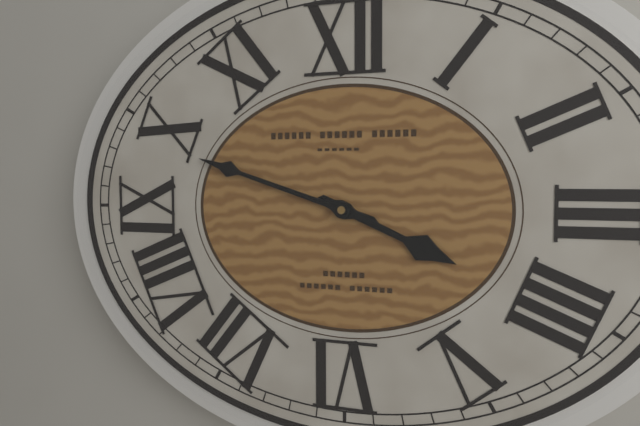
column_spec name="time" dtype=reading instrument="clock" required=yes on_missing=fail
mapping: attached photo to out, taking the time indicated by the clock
3:48
